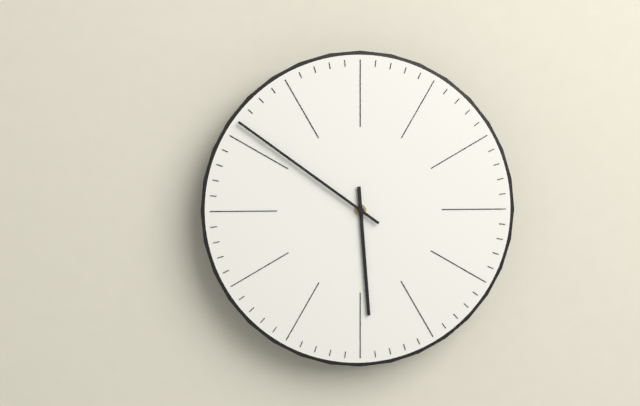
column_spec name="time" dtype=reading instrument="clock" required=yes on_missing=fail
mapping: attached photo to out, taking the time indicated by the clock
5:51
